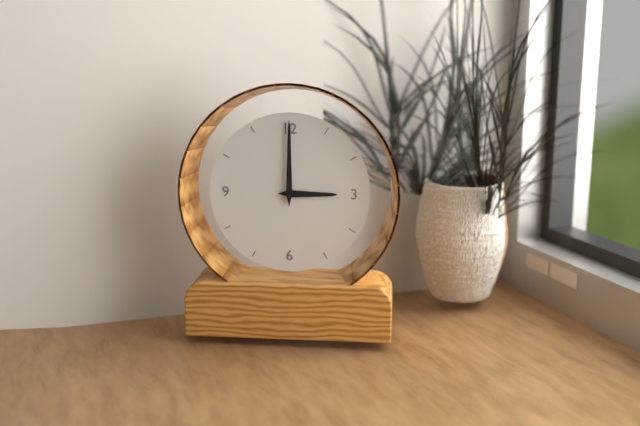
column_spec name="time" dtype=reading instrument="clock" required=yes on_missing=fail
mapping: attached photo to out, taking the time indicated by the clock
3:00
